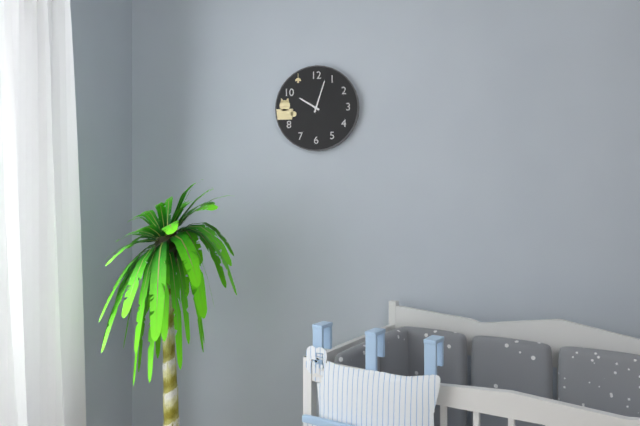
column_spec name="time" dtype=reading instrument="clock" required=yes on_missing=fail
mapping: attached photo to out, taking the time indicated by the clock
10:03
